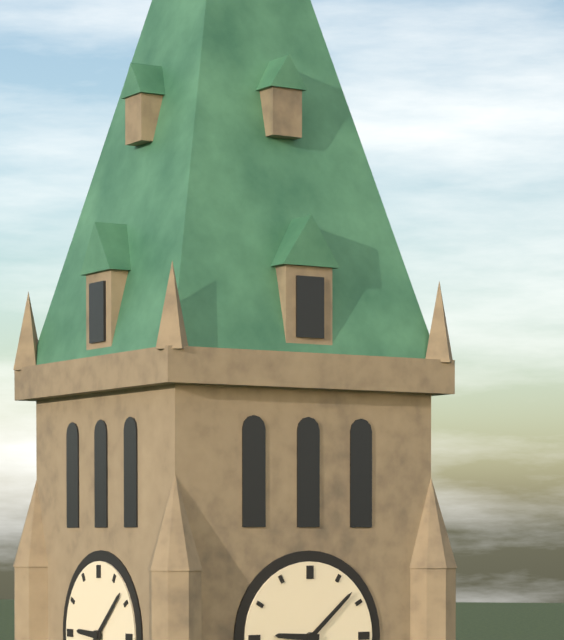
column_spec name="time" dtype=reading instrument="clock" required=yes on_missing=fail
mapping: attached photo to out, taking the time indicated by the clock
9:08
